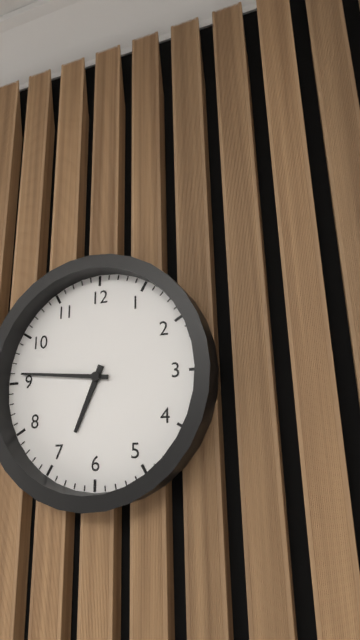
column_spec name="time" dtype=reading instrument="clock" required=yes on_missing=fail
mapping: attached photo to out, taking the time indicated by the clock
6:46
